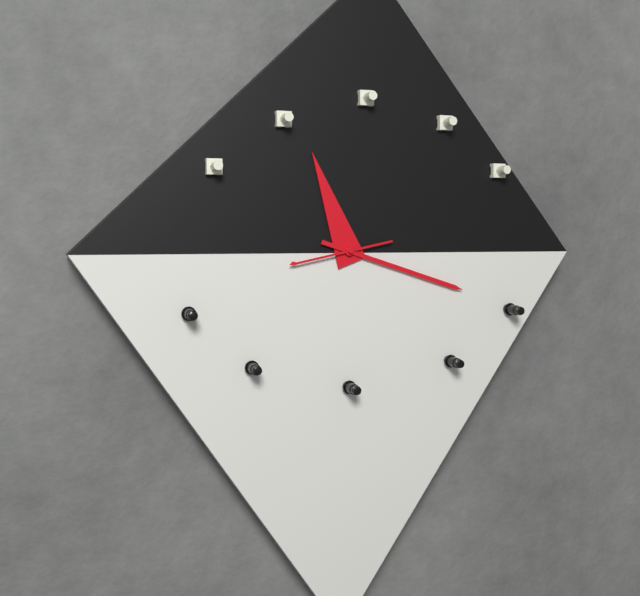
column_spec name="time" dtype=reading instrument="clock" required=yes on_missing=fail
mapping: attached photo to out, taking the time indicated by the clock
11:18:43
